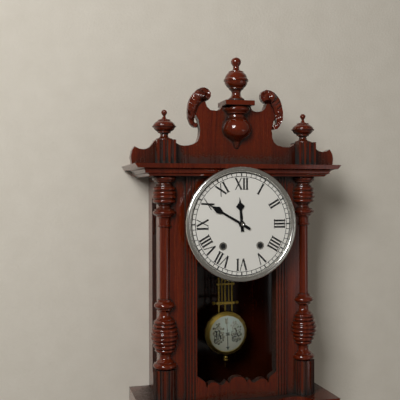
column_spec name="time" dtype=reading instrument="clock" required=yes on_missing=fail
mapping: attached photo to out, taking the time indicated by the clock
11:50
